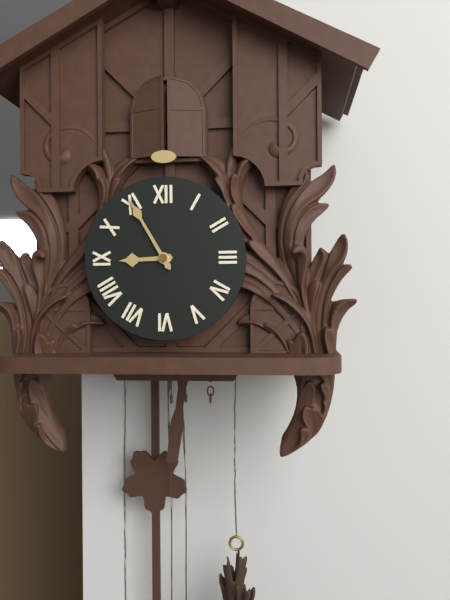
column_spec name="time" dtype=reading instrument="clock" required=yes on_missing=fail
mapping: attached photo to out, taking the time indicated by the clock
8:55
